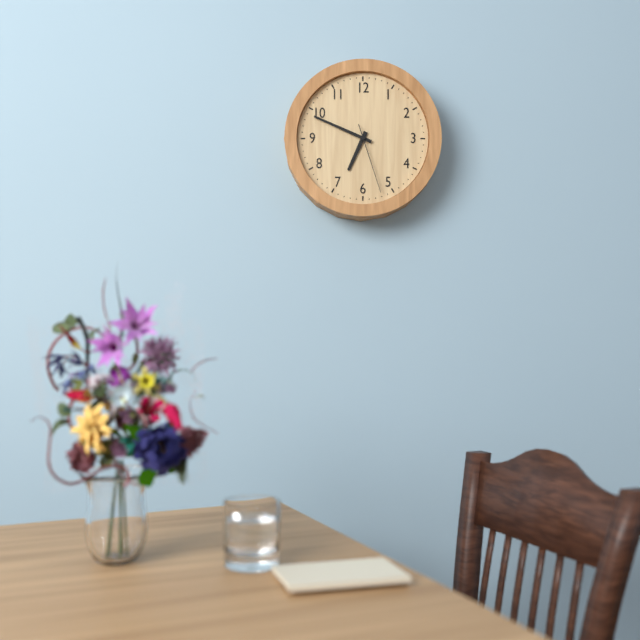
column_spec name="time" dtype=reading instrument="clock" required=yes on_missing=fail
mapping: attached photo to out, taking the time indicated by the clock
6:49:27
